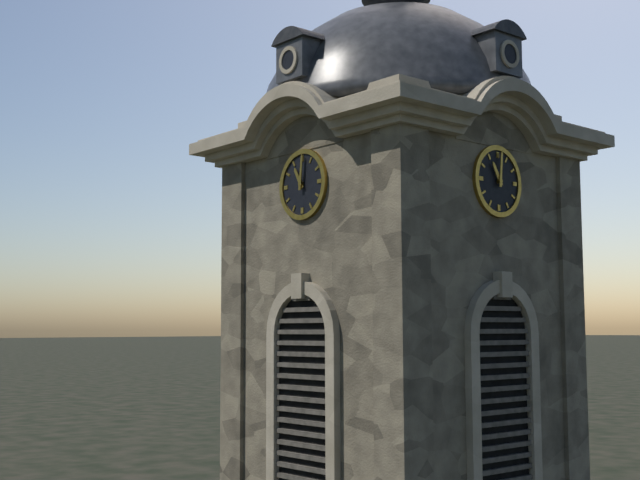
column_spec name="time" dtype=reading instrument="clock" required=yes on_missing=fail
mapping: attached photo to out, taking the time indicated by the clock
11:01
